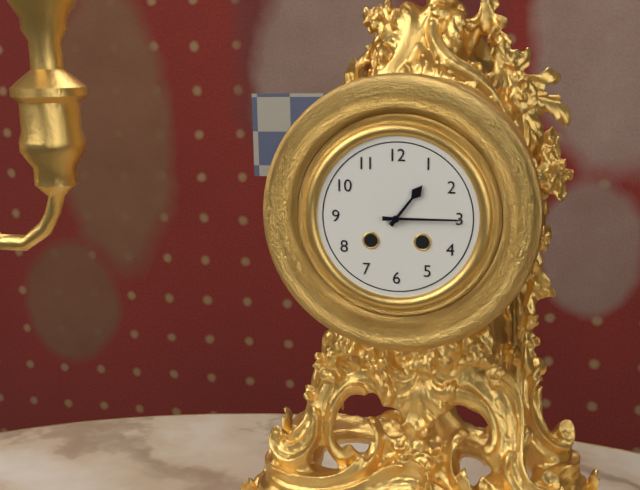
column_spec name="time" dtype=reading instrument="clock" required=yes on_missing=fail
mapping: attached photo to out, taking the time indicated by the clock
1:15
